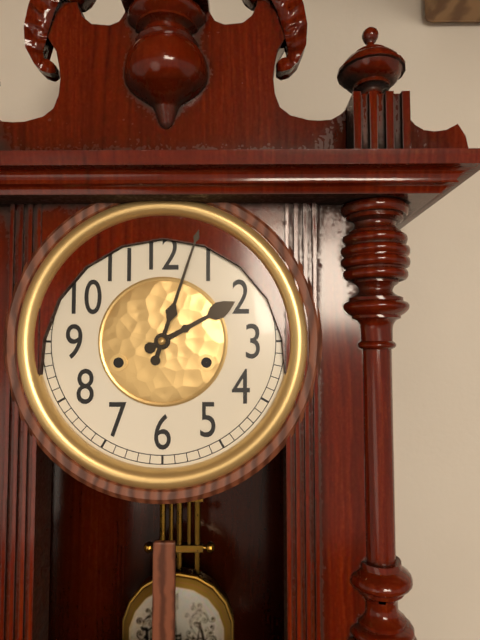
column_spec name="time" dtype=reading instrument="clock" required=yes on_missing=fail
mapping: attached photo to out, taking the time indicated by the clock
2:03
